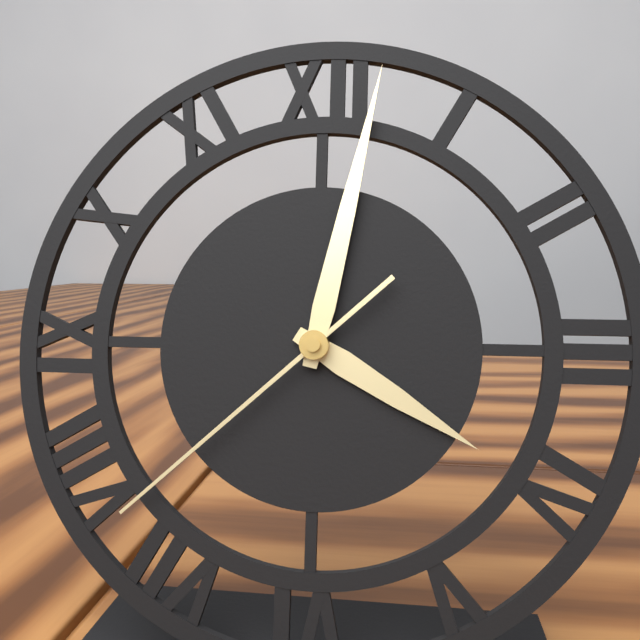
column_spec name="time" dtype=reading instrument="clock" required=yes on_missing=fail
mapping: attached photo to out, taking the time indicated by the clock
4:02:38
